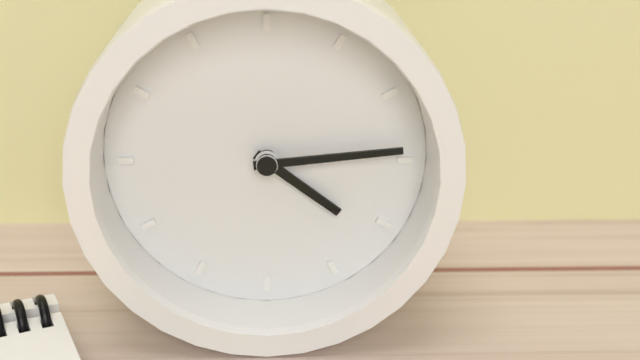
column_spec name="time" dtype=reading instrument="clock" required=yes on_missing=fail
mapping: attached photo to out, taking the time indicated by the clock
4:14
